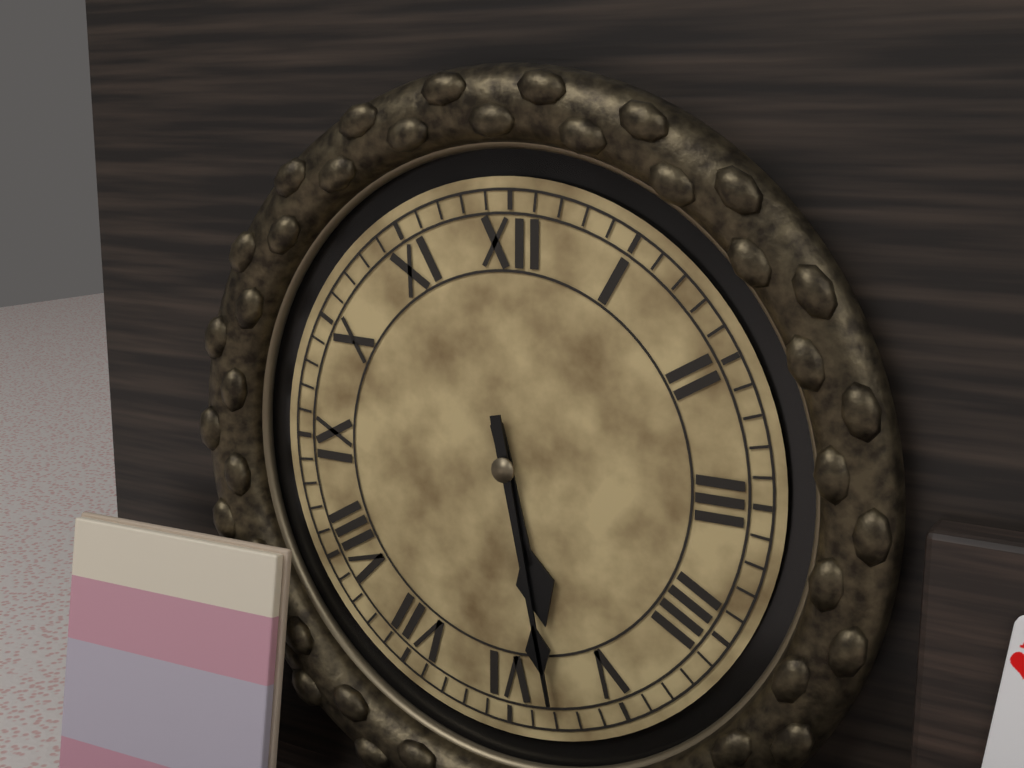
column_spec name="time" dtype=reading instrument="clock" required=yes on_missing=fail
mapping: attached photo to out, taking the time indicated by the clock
5:28
